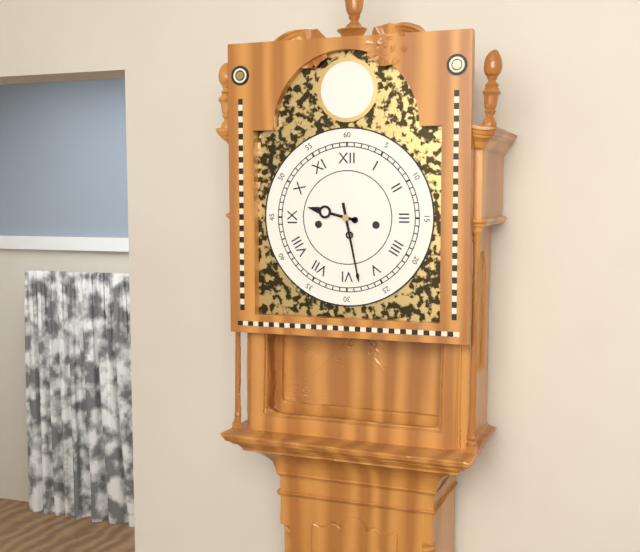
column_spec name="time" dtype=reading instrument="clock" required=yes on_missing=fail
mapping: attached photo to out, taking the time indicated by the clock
9:28
